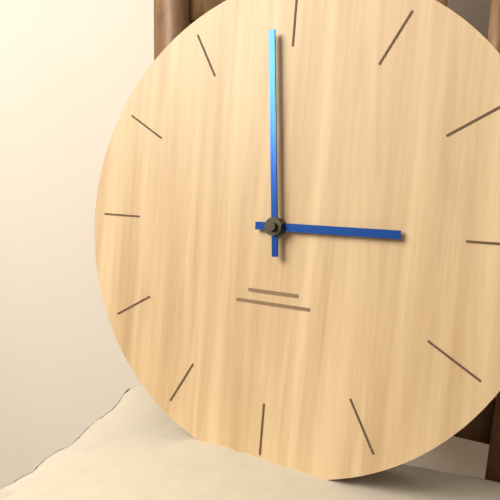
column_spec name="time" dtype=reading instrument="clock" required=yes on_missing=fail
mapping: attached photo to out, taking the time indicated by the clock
2:59
